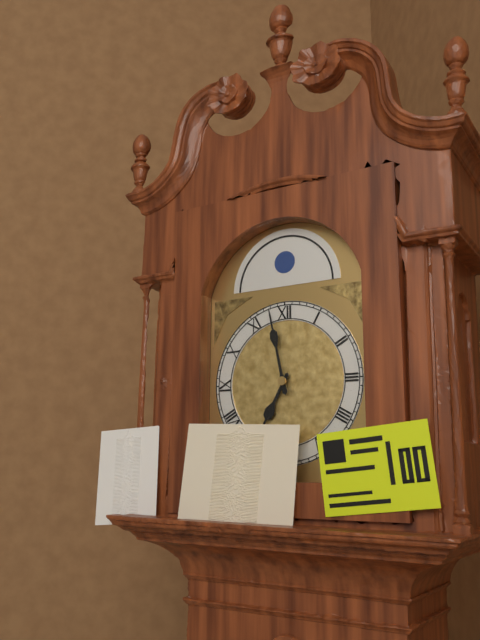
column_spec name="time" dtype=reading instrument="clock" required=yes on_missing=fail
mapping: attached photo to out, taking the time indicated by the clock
6:58
